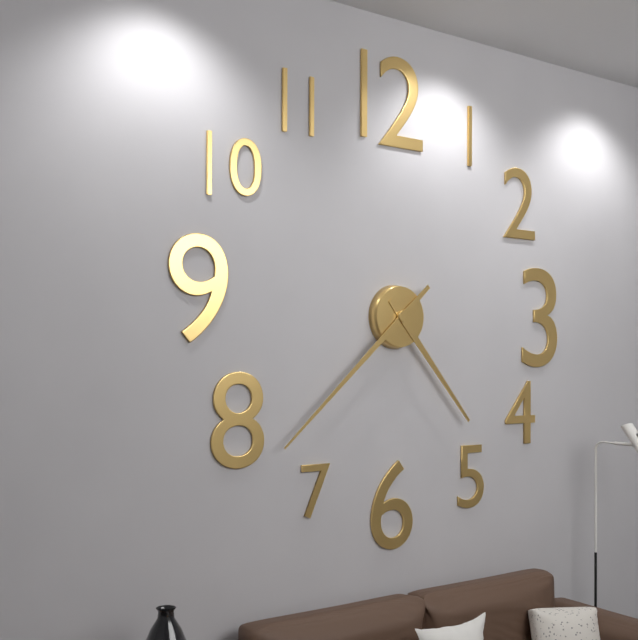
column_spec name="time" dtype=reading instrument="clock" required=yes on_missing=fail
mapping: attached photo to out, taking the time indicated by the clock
4:38
